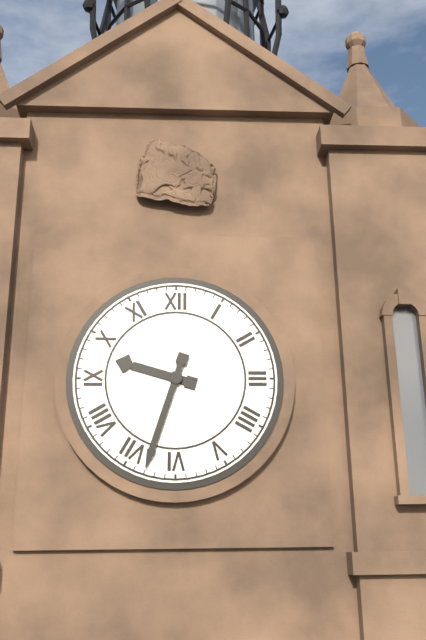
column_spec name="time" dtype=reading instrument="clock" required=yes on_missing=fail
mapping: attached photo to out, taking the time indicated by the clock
9:33
